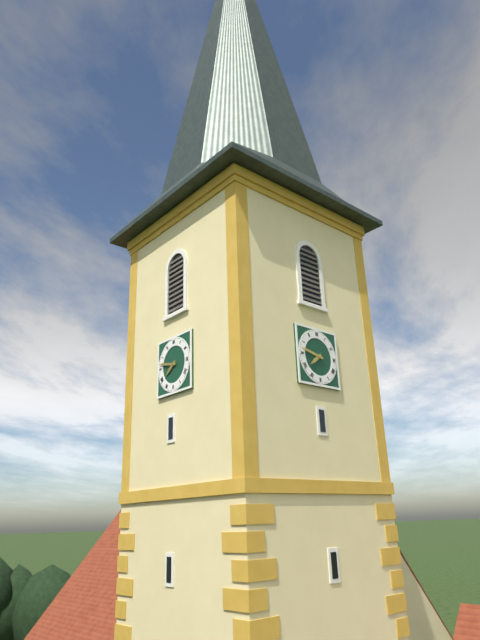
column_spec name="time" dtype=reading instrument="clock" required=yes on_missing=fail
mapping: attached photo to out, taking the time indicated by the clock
7:47
